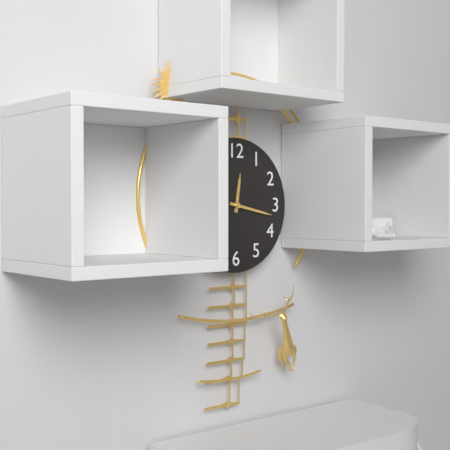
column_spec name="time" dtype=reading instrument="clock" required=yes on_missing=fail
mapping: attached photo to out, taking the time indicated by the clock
12:17
